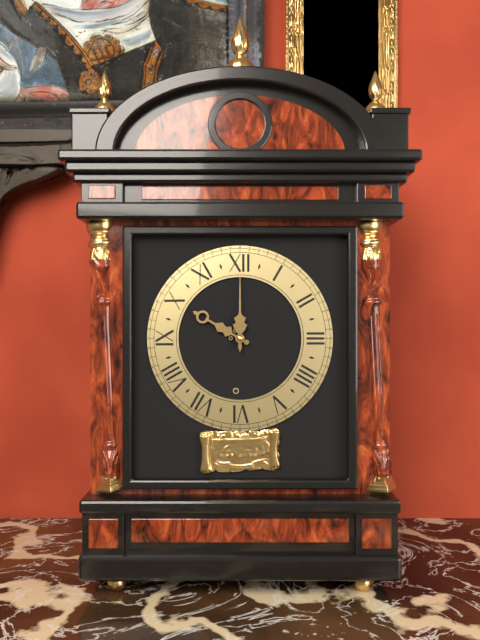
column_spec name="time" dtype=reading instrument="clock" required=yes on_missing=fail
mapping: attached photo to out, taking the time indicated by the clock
10:00
